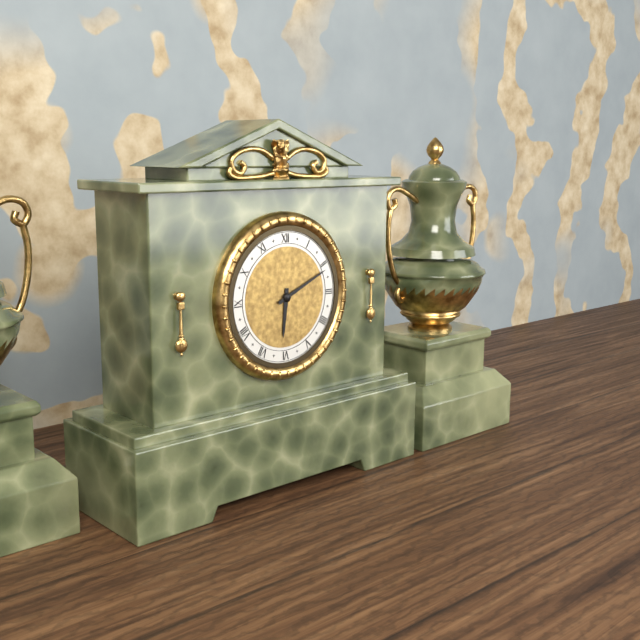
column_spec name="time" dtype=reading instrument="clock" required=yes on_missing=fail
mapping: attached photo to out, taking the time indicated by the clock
6:11
